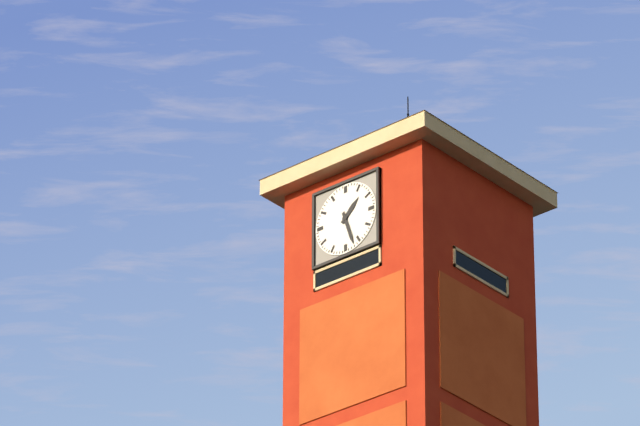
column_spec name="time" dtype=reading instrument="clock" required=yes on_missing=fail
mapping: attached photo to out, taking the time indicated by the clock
1:27
